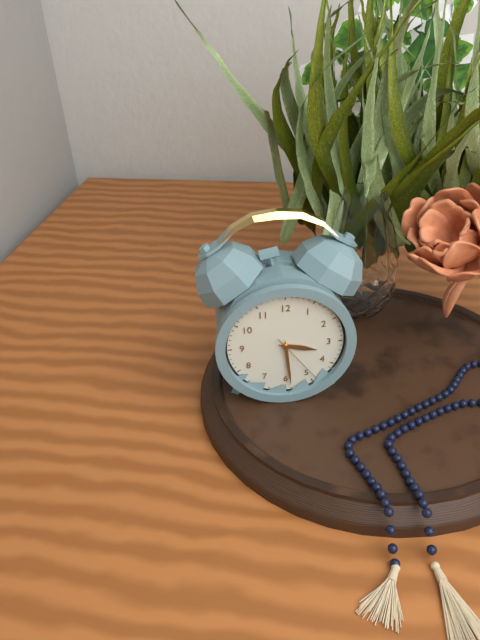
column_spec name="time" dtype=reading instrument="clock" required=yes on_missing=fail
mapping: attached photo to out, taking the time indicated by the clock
3:29:24
